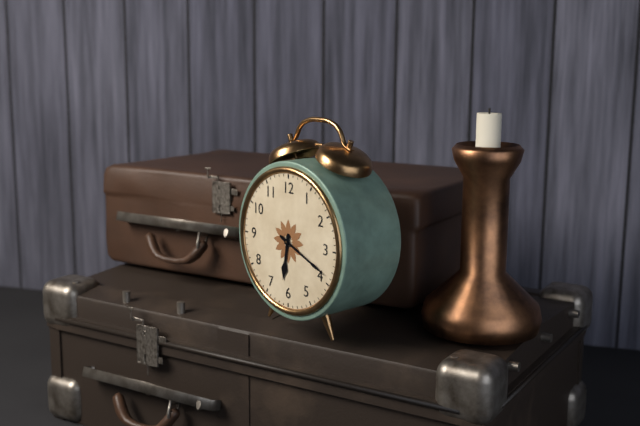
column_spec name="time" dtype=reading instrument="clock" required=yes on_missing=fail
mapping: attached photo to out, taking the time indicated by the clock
6:19
